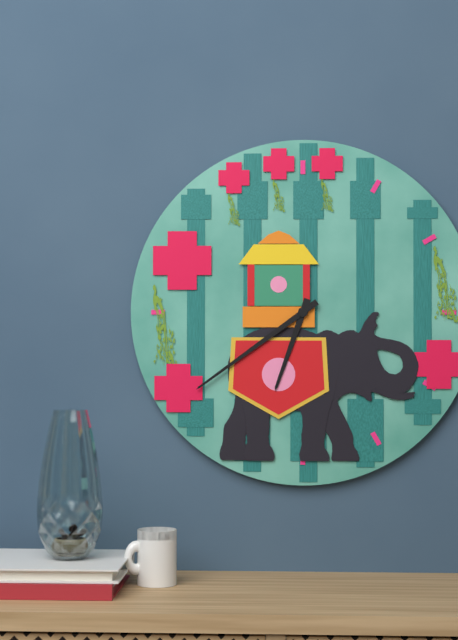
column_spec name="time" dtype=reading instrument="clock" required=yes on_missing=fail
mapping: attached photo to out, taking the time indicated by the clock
6:39
